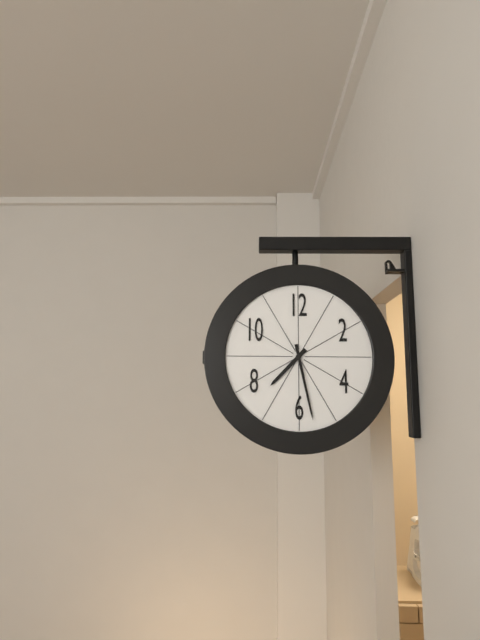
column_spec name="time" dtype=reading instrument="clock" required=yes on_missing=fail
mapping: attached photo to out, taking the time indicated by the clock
7:28
